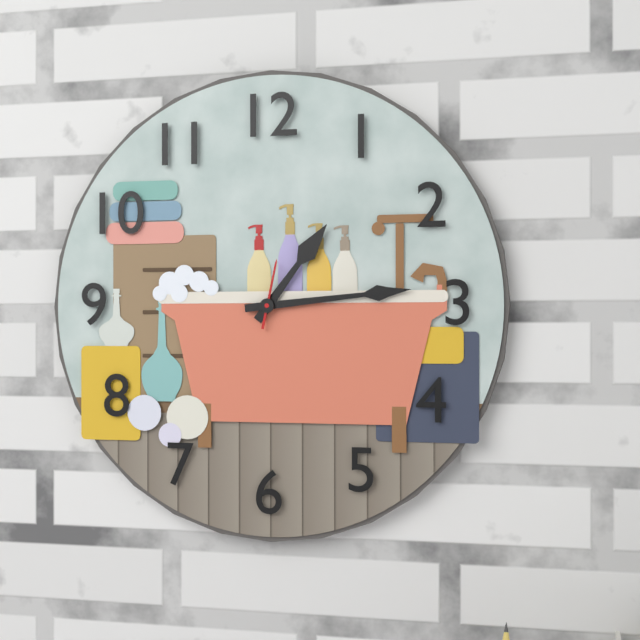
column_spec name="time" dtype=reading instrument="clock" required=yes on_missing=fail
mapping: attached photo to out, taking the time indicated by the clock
1:14:02
